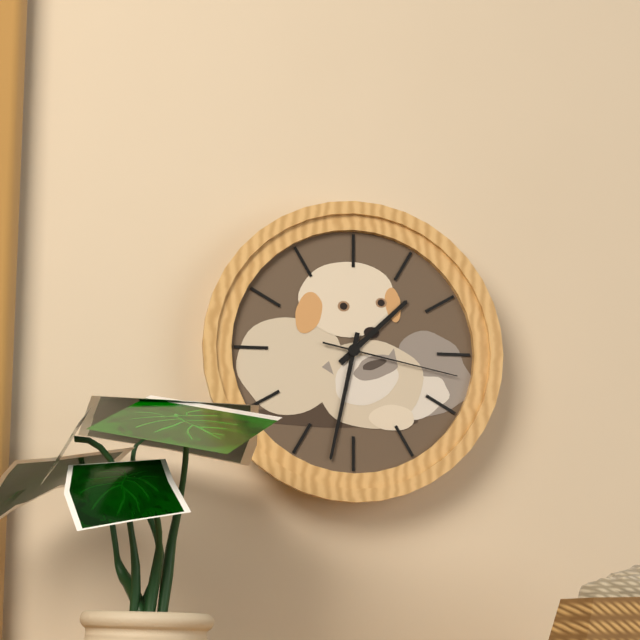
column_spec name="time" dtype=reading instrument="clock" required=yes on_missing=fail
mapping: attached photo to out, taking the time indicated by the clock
1:32:17
